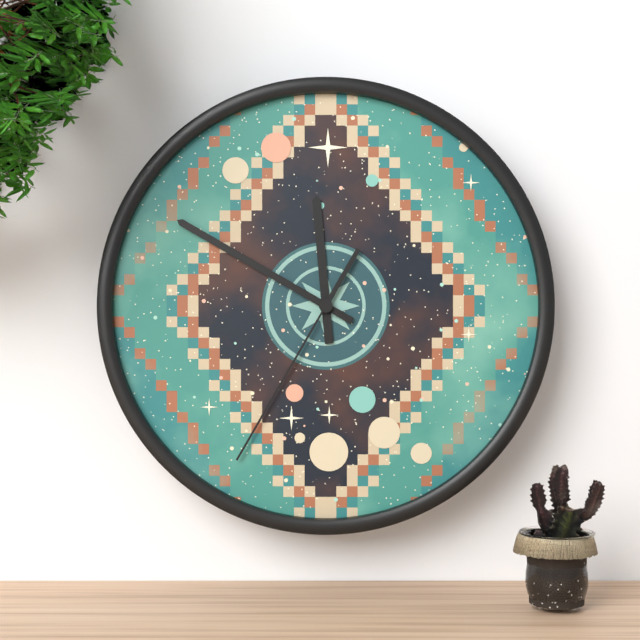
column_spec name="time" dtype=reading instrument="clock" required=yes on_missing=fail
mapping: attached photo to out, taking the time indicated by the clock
11:50:35
